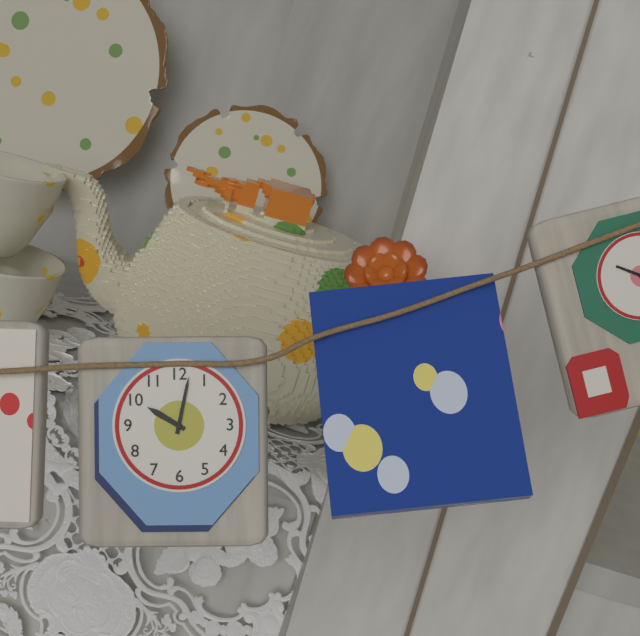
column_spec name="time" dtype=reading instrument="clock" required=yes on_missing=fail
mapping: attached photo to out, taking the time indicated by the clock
10:02
